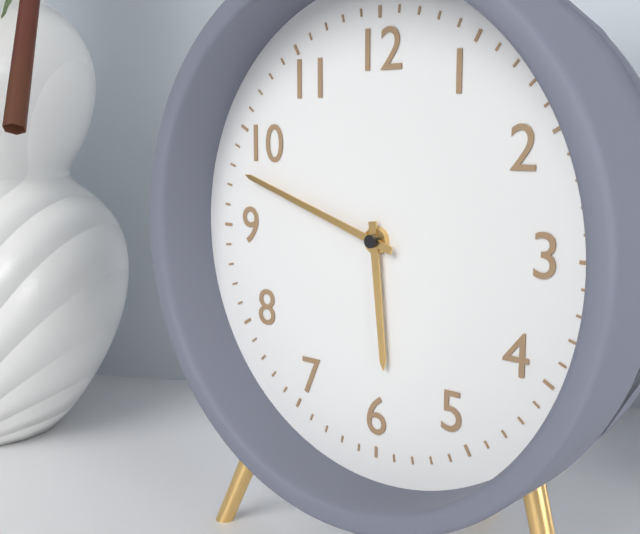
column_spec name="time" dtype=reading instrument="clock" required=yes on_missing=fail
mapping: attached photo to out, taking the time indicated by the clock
5:48
